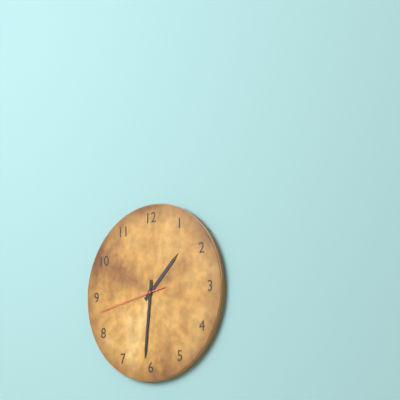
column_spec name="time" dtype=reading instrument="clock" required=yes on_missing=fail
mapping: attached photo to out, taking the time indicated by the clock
1:31:43
